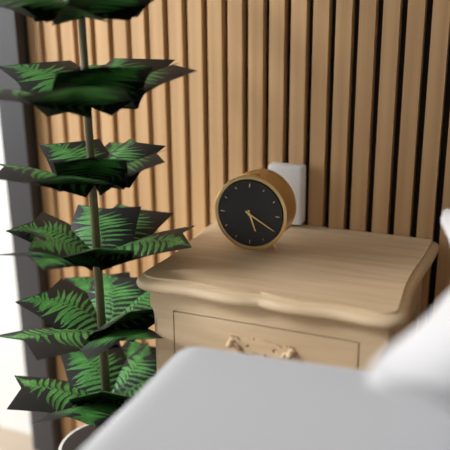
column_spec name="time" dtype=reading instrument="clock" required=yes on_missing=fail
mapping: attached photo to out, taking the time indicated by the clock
5:20
